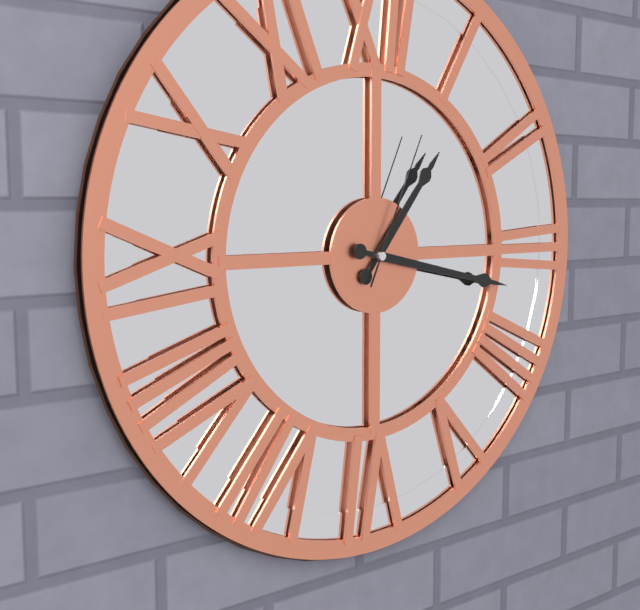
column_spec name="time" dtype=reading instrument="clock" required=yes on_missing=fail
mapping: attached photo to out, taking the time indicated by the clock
1:17:04
